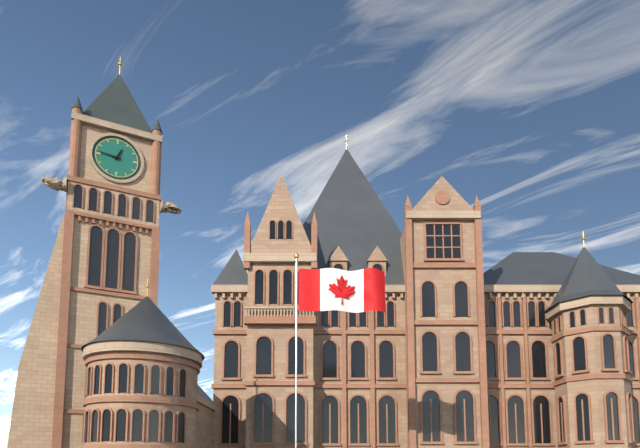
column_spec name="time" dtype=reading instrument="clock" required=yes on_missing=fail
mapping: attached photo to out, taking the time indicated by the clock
12:46
